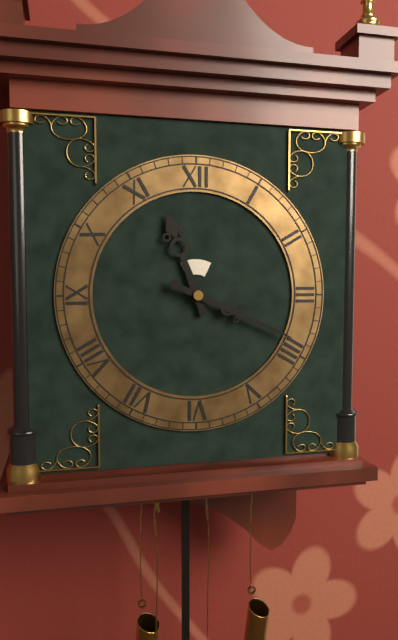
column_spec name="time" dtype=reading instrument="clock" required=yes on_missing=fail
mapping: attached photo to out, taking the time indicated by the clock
11:19
